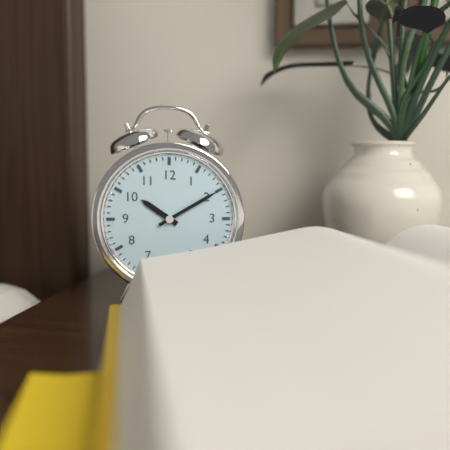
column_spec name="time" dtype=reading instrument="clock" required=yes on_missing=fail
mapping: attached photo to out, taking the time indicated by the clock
10:10
